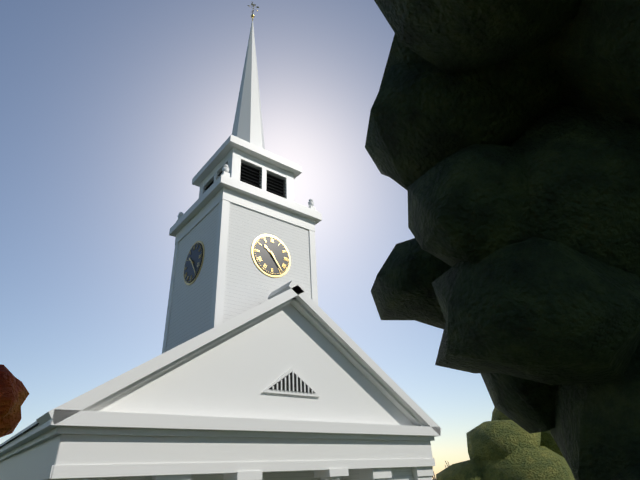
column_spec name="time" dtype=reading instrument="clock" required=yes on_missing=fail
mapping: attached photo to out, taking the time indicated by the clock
10:24
